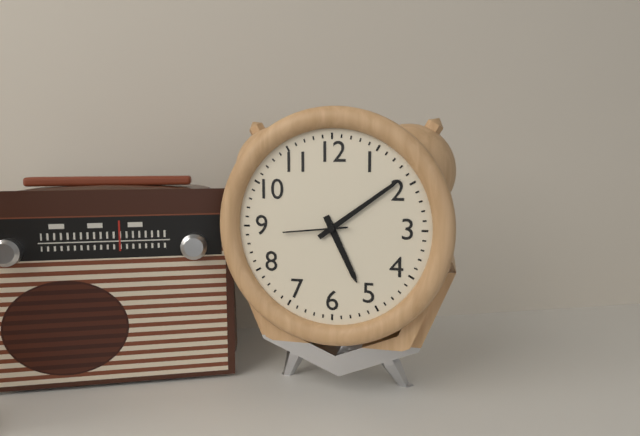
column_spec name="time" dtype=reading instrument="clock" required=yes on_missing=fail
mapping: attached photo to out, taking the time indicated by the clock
5:09:44
